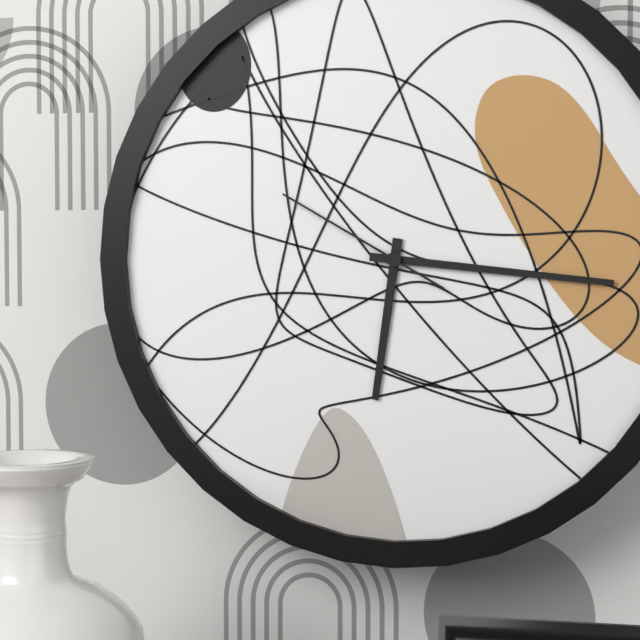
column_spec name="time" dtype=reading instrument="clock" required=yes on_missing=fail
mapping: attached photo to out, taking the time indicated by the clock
6:16:50
